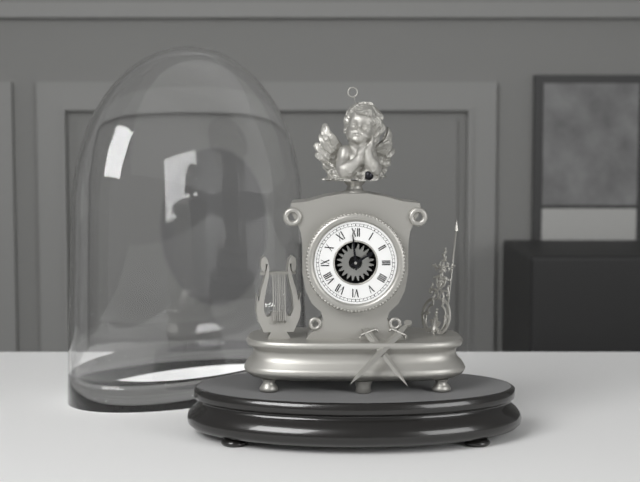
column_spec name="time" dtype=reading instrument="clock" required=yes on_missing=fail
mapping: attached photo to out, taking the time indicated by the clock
1:59
